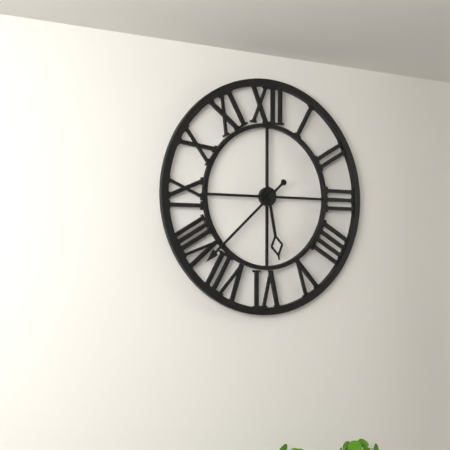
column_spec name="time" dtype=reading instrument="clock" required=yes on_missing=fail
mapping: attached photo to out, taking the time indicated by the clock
5:38
